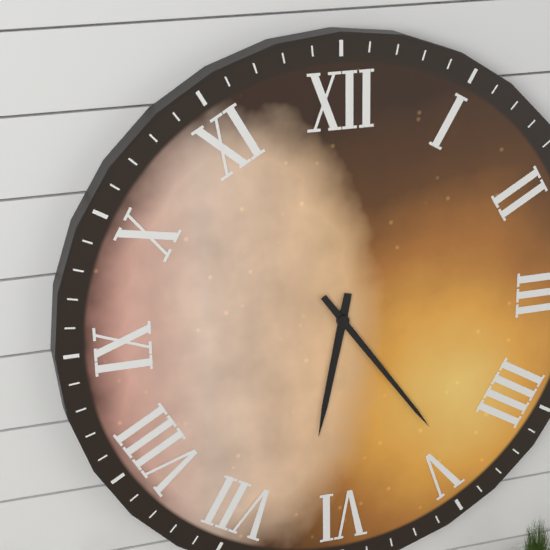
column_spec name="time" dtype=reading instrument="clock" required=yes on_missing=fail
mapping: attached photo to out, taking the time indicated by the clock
6:24
